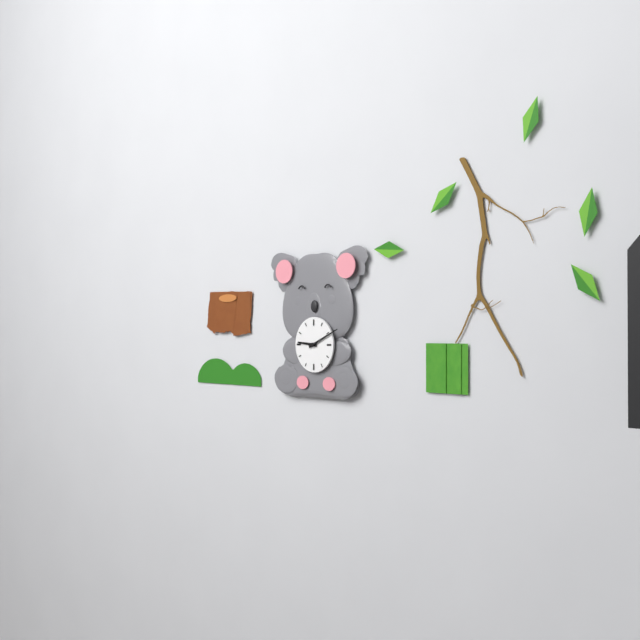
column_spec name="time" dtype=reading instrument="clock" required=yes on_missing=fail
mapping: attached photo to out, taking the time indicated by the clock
9:11
